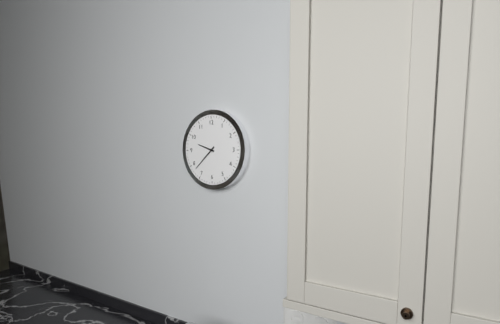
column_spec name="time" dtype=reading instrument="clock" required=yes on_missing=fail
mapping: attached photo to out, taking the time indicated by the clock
9:38
